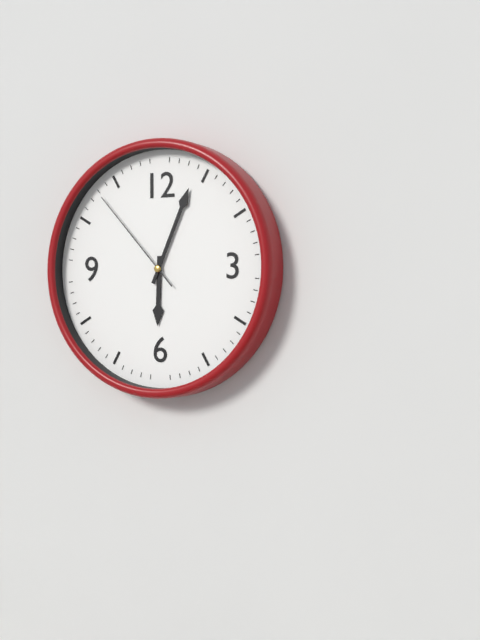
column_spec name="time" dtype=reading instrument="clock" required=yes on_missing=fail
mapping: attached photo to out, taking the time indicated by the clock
6:04:53
